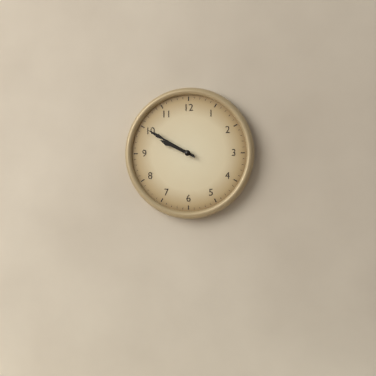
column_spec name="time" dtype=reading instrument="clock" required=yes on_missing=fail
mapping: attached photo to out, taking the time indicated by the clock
9:50
